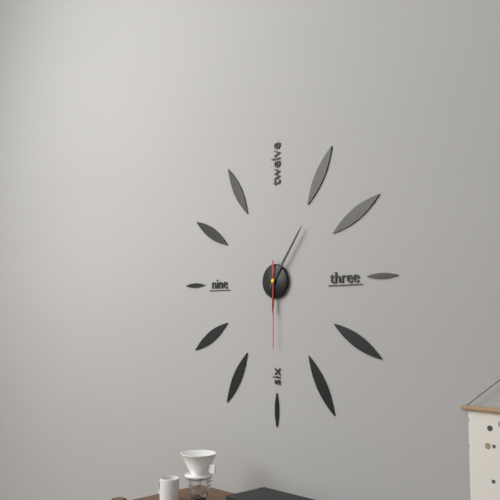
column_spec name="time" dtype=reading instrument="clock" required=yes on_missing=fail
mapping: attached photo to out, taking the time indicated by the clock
6:06:30
